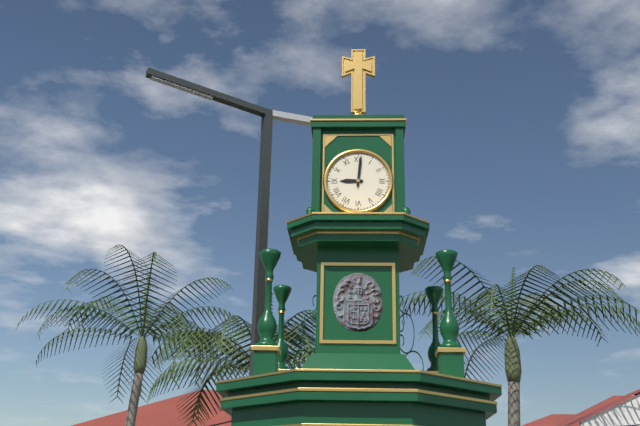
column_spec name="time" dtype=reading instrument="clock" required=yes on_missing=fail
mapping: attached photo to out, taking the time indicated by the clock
9:01
